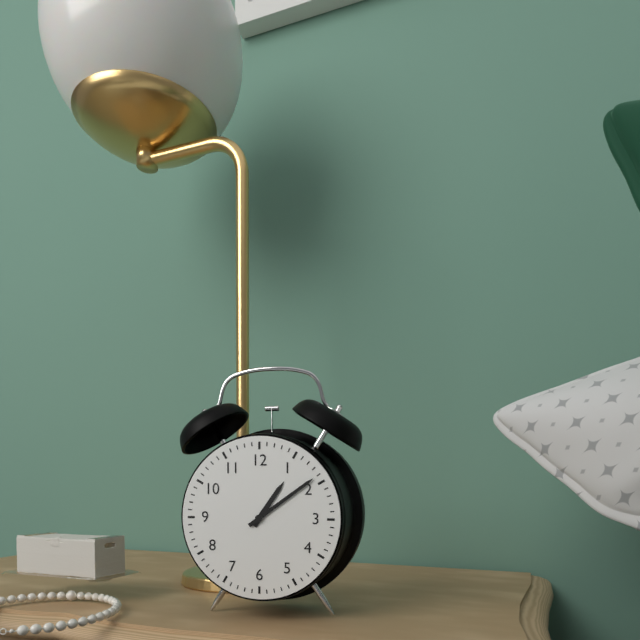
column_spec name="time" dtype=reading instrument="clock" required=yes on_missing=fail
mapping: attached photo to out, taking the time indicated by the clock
1:09
